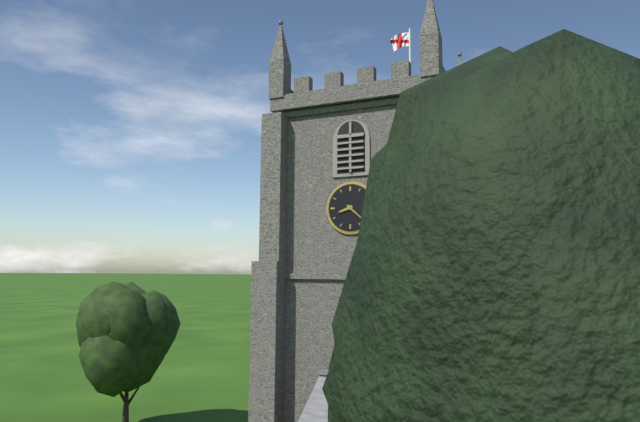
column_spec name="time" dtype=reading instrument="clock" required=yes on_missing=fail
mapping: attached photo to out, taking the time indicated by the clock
8:22
